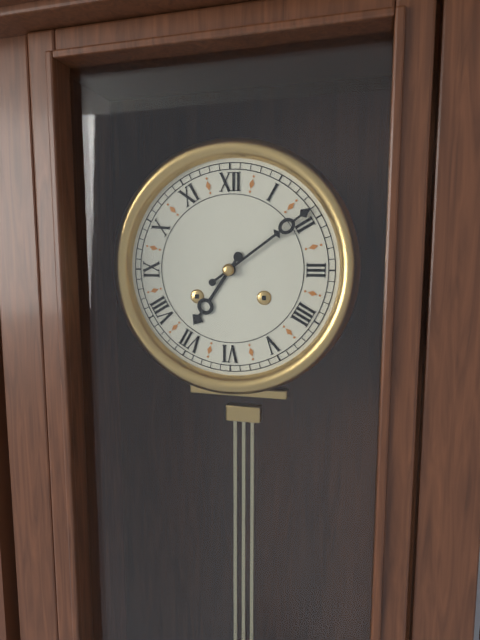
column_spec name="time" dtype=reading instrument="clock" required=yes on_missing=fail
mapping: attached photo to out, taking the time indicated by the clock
7:09
